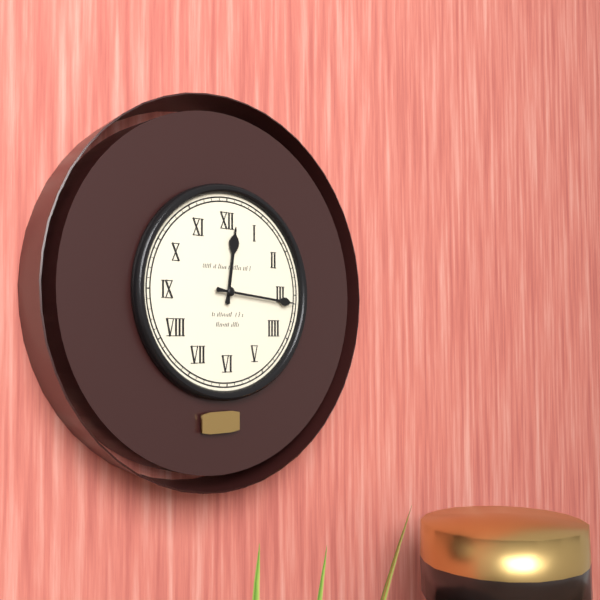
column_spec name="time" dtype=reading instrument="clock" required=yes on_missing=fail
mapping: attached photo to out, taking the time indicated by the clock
12:16
